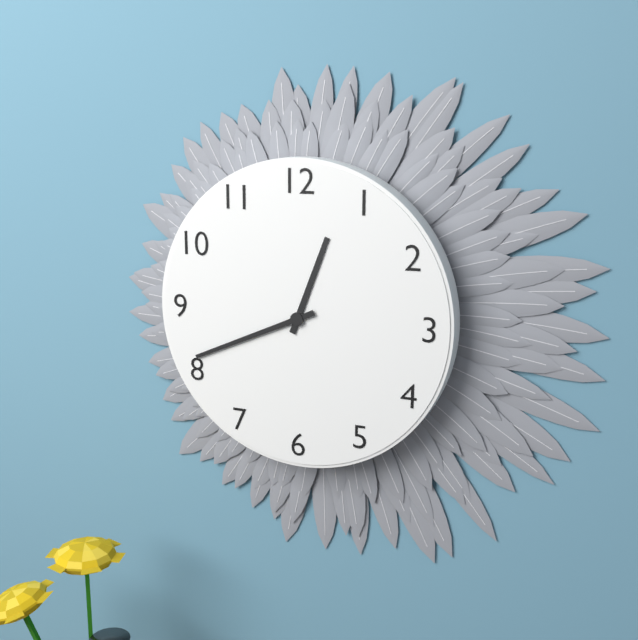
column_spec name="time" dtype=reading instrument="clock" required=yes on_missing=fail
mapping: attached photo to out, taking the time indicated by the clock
12:41
